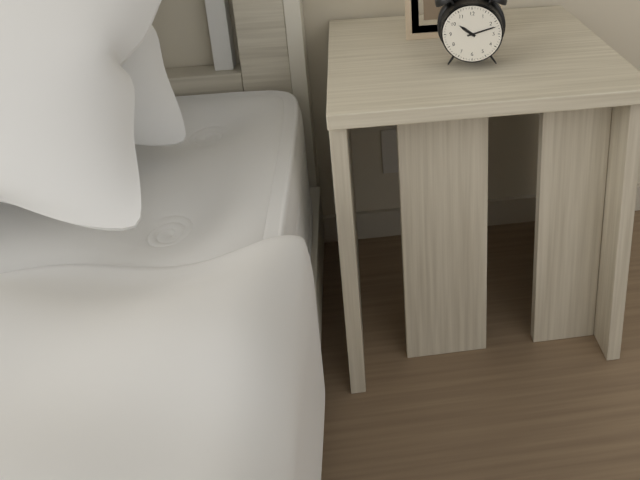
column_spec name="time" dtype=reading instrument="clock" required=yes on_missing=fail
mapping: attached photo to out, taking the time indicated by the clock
10:12
